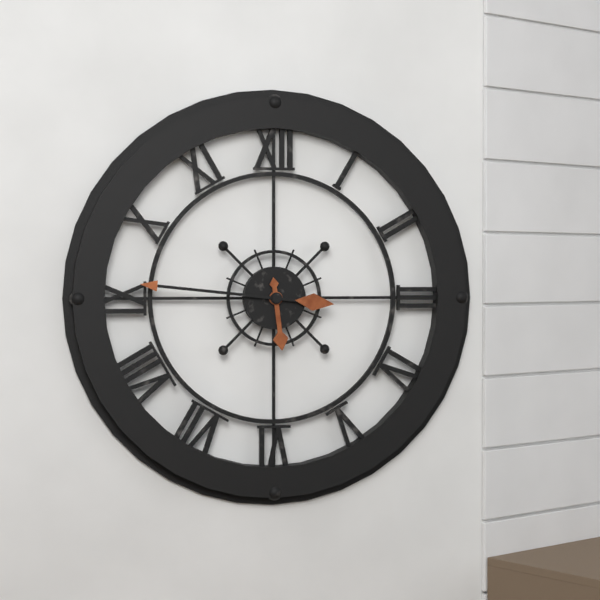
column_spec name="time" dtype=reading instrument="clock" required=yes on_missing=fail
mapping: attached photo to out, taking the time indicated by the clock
5:46
